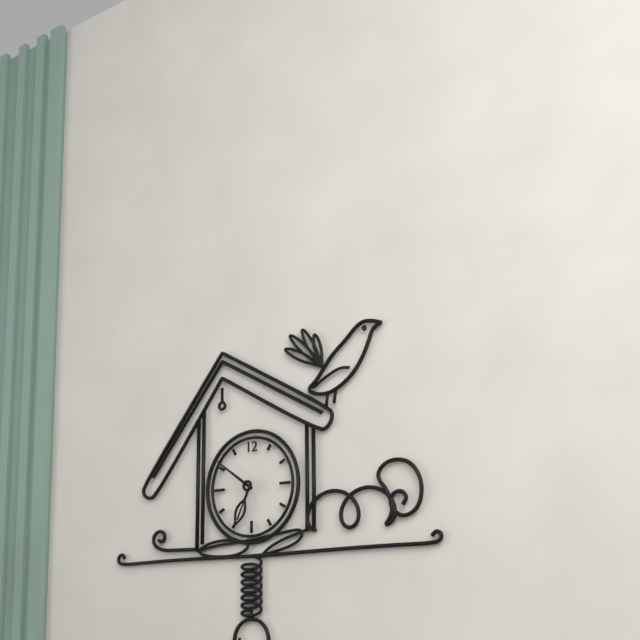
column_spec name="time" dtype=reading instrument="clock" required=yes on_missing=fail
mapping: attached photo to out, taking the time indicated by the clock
6:51
